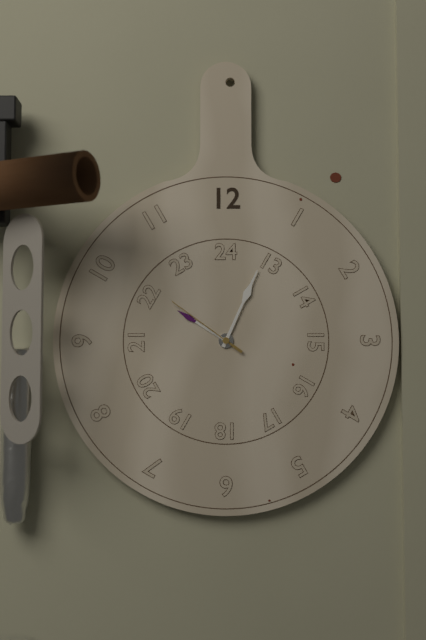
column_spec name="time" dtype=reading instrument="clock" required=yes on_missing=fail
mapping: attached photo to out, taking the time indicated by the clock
10:04:51
